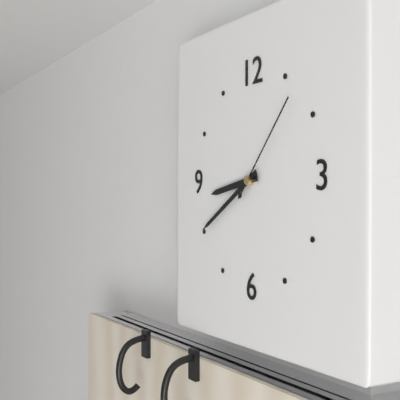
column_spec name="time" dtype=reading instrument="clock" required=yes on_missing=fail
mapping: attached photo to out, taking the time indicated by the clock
8:40:07
